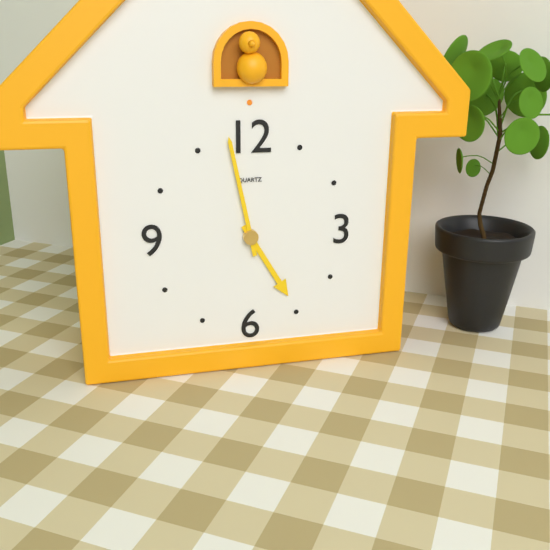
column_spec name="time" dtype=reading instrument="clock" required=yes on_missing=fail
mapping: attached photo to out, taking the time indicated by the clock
4:58
